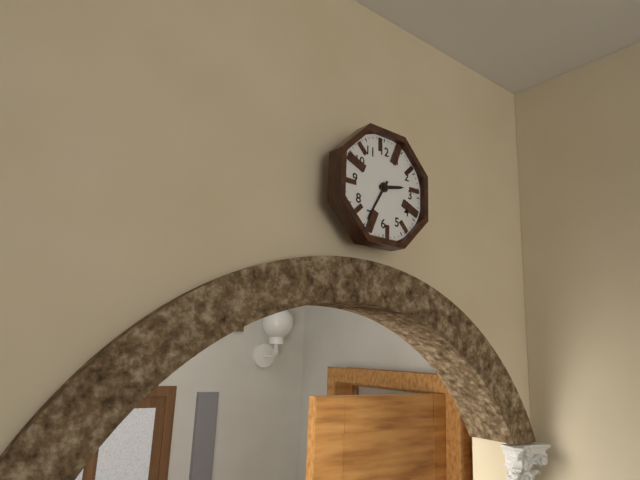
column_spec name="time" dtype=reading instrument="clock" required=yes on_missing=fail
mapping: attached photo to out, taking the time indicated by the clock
2:35
